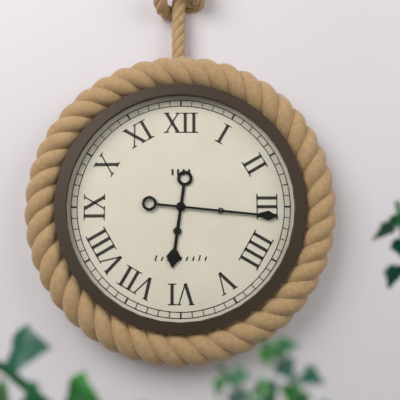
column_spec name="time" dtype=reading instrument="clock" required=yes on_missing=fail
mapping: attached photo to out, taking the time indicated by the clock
6:16
